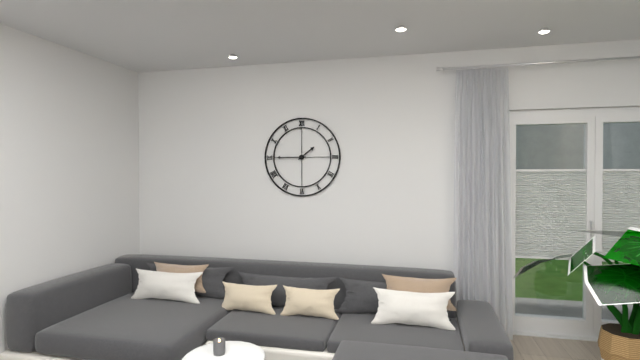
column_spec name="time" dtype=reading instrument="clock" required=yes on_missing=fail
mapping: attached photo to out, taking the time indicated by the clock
1:45
